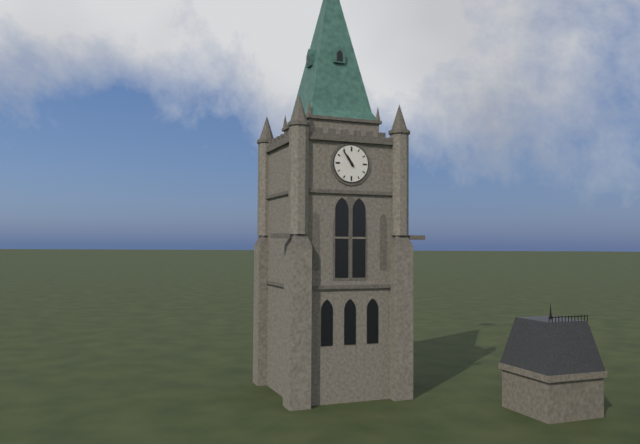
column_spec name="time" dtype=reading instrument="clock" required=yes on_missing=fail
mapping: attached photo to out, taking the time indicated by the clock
10:54
